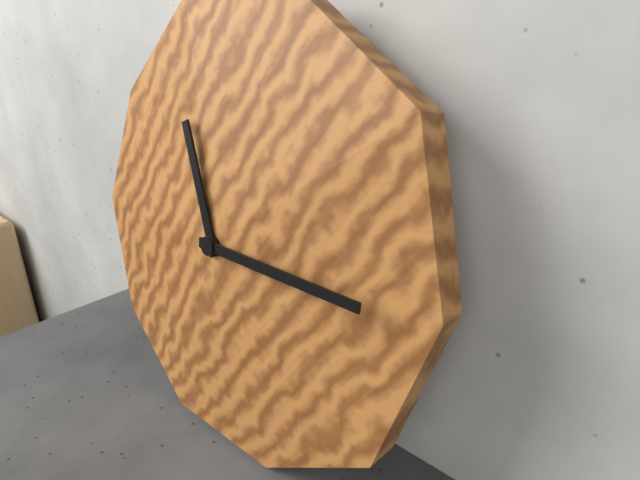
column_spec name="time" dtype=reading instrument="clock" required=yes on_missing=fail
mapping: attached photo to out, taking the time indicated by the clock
11:15
